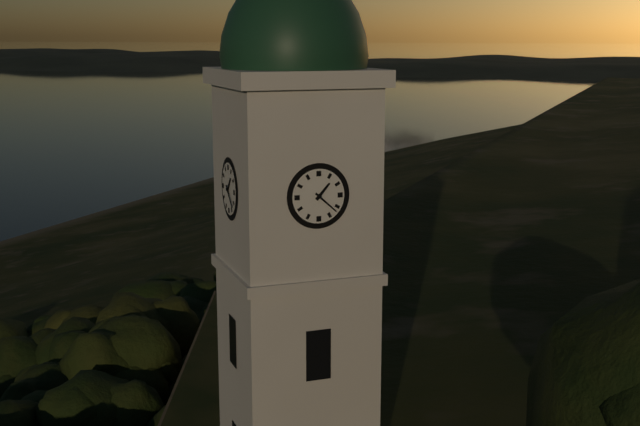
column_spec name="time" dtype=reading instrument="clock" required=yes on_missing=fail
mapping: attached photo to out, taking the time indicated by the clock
1:22
